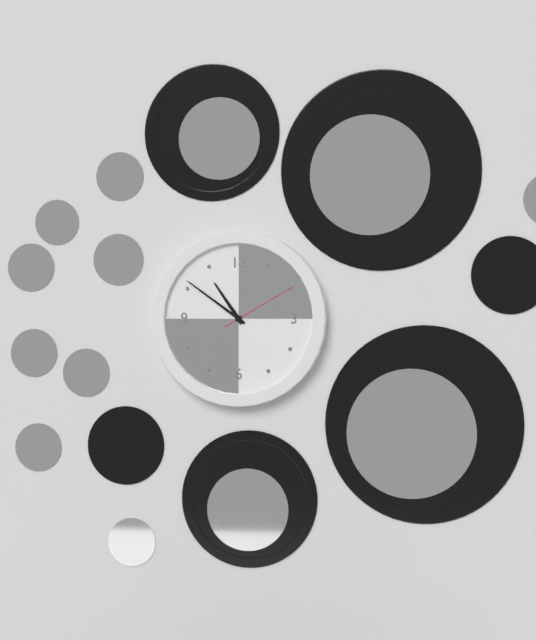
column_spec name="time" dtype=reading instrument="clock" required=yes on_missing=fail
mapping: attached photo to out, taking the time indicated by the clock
10:51:10
